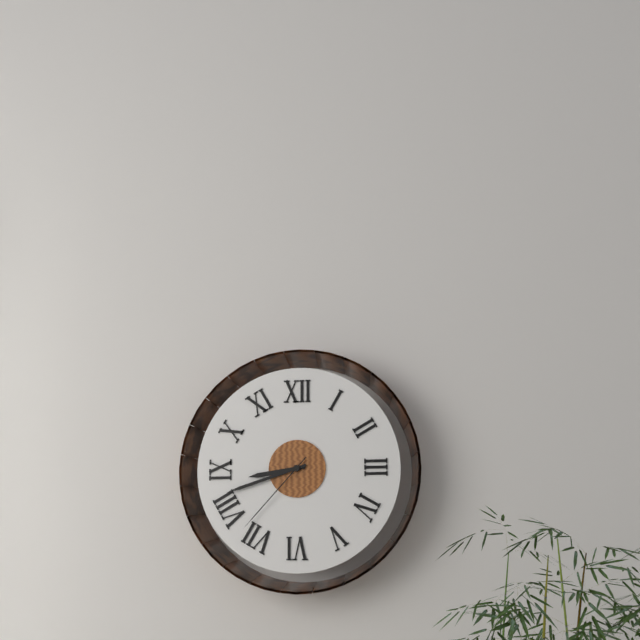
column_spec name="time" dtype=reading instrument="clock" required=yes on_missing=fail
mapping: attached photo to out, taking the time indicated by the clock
8:42:37
